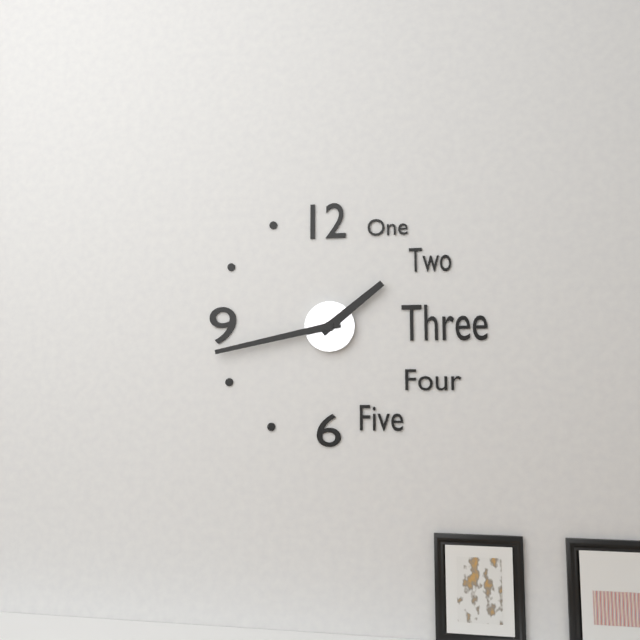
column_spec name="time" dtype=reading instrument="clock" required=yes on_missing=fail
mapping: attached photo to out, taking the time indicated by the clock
1:43
